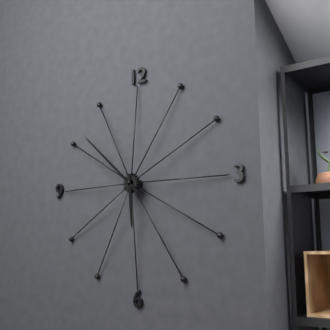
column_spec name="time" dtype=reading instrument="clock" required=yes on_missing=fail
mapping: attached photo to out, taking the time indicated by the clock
5:52
